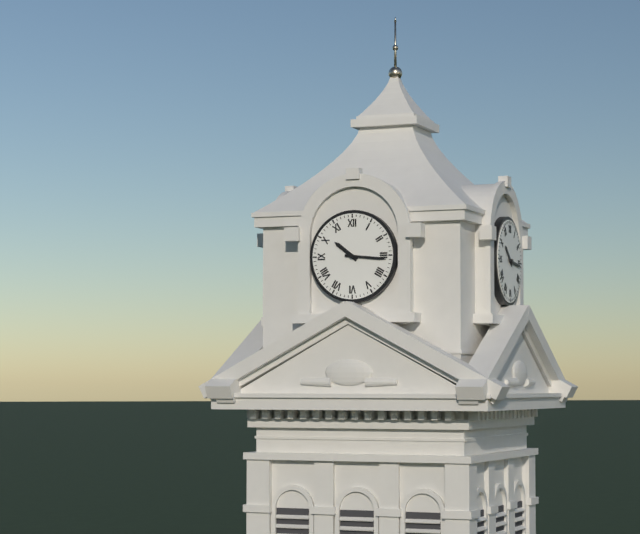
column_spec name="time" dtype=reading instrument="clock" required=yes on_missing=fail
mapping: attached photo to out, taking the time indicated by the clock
10:16
